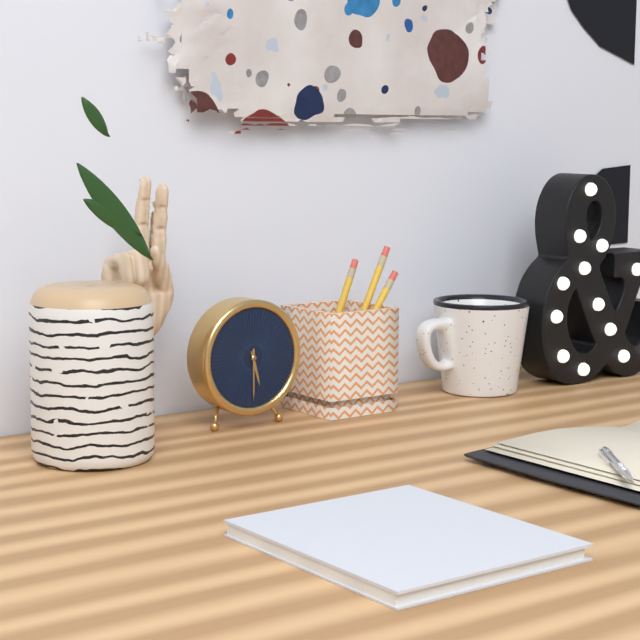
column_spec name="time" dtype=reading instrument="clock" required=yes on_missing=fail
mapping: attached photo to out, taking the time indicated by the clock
5:30
